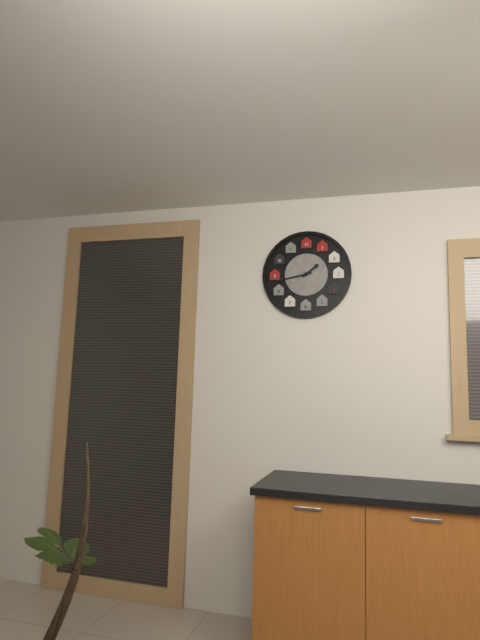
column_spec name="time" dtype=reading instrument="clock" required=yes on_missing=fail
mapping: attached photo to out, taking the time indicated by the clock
1:43
